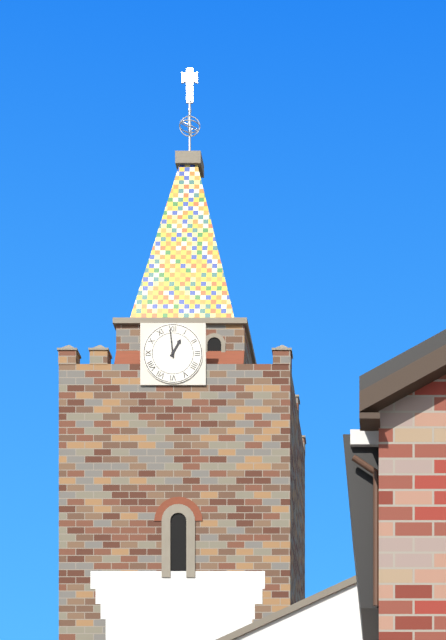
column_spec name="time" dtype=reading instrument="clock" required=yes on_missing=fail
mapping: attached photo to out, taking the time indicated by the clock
12:59
